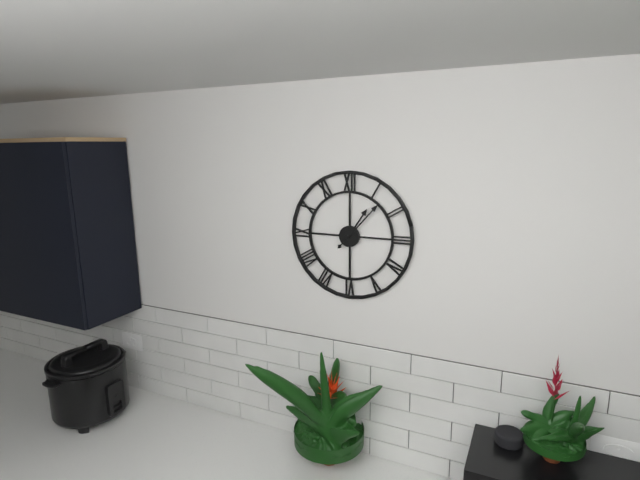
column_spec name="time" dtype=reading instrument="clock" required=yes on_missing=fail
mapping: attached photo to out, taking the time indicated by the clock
1:07
